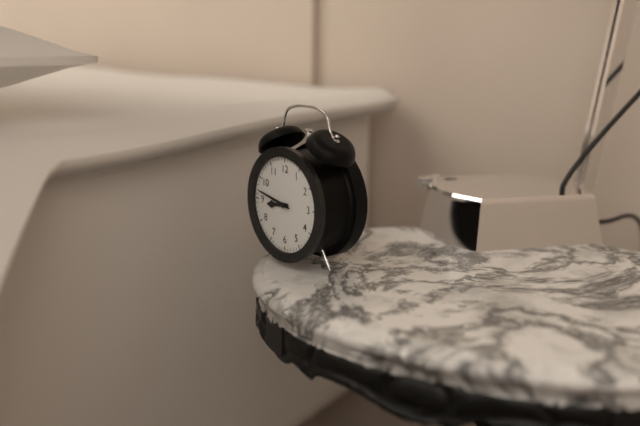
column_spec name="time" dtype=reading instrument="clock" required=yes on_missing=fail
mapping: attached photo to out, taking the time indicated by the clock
8:47
